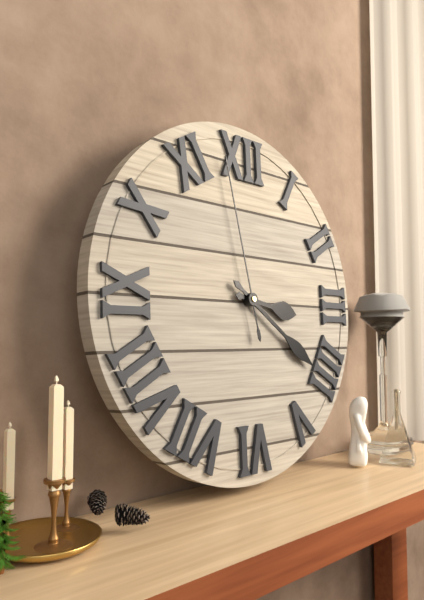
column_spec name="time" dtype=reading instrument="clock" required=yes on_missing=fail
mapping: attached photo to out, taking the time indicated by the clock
3:21:58
